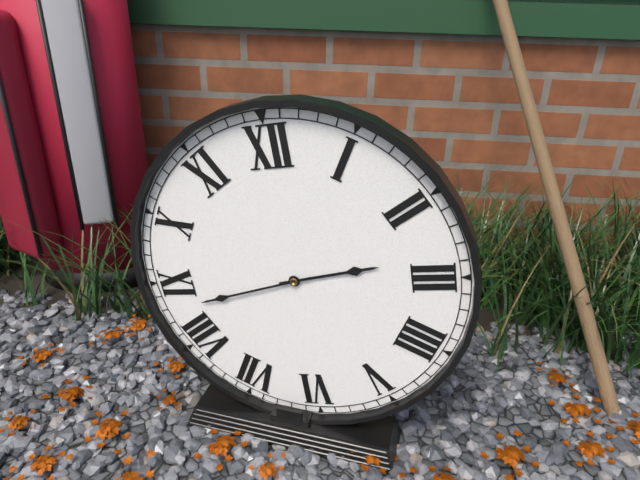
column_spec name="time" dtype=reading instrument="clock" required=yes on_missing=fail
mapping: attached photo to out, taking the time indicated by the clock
2:43
